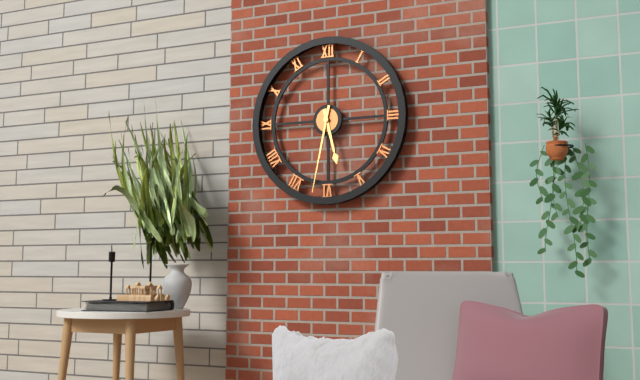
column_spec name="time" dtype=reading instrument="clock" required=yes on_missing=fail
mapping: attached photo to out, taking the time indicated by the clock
5:32
